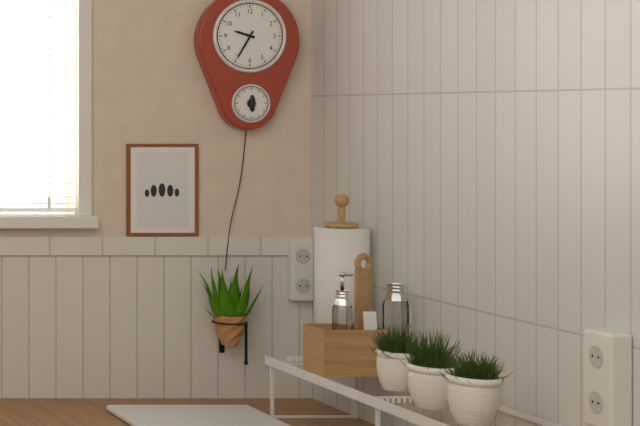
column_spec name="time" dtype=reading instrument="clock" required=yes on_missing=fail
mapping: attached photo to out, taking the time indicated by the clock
9:35
